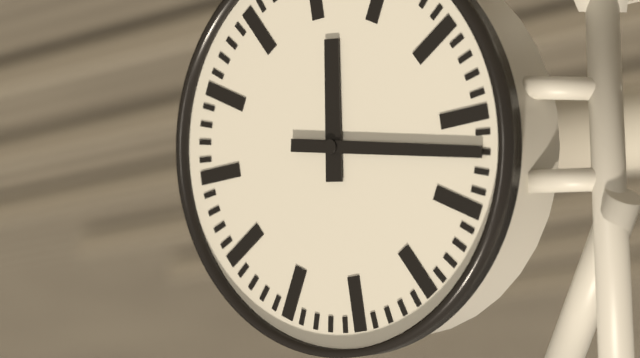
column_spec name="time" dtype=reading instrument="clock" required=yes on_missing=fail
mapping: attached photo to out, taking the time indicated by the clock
12:17
